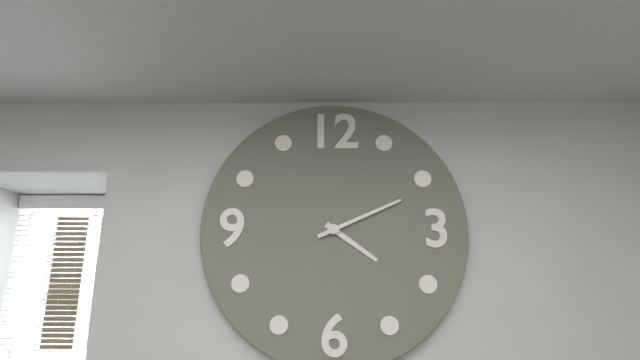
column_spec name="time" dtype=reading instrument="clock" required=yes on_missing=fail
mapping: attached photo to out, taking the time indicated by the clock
4:11
